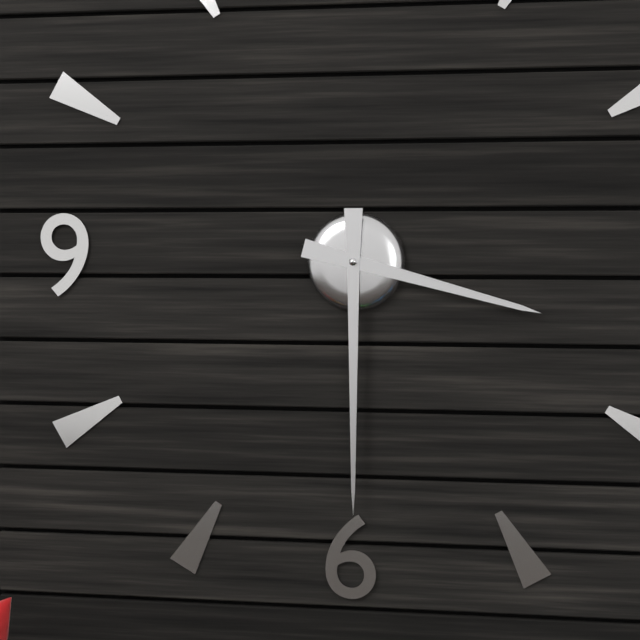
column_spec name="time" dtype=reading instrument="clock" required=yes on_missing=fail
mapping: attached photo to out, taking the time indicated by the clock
3:30
